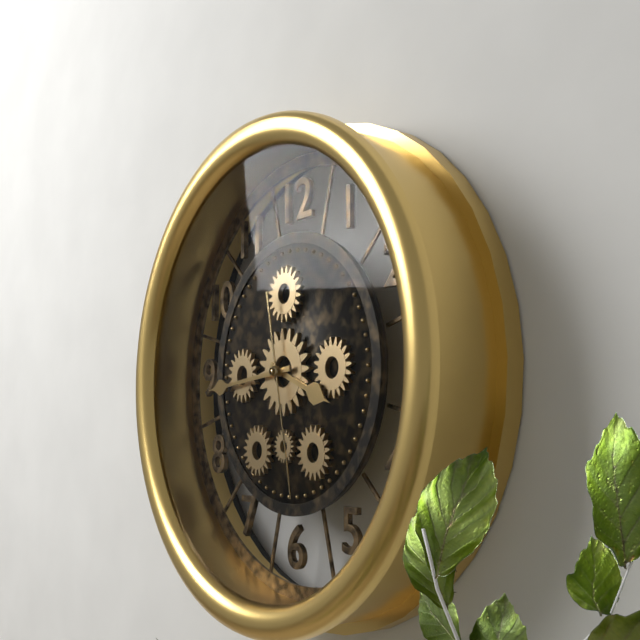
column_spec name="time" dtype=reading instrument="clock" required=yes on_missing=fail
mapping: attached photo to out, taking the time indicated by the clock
3:44:28
